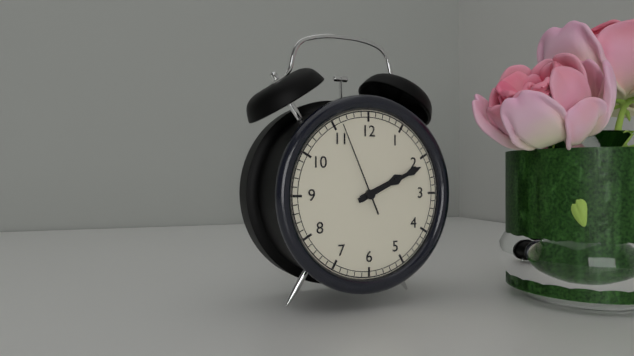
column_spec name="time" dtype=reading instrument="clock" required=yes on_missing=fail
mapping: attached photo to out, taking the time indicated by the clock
2:11:56
